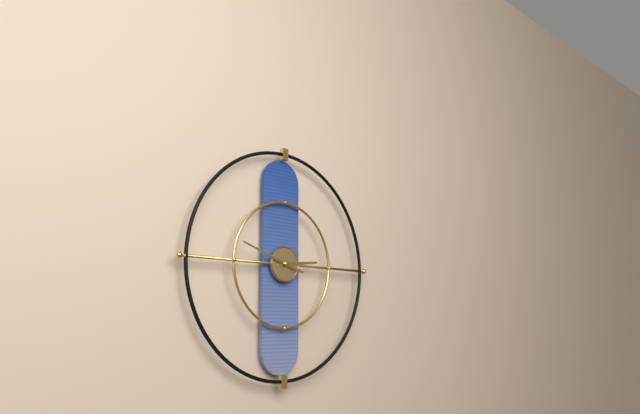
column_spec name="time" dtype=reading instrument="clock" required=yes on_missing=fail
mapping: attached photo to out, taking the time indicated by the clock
2:48
